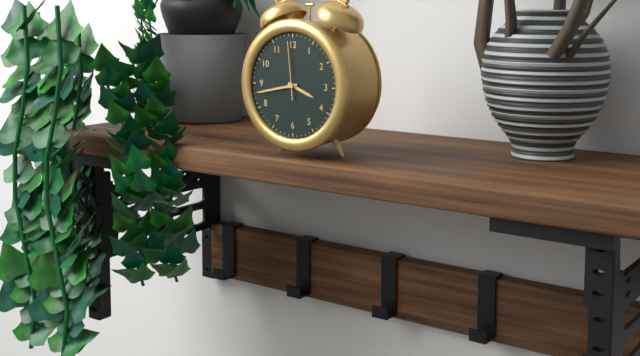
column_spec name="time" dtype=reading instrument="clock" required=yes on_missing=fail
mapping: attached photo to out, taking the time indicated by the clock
3:43:59
